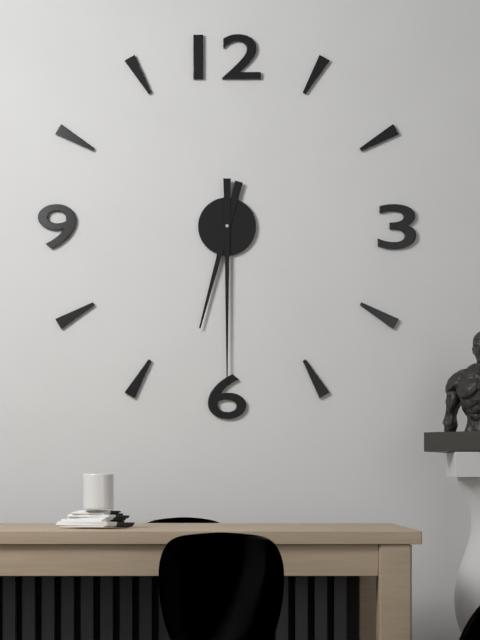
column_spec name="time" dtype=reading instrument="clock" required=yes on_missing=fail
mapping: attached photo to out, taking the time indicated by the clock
6:30
